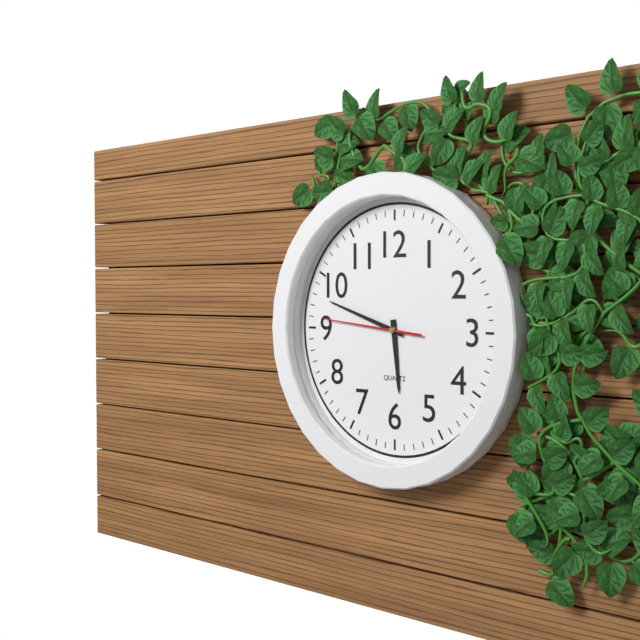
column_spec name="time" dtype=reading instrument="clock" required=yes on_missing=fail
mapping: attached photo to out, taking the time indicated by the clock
5:48:46
